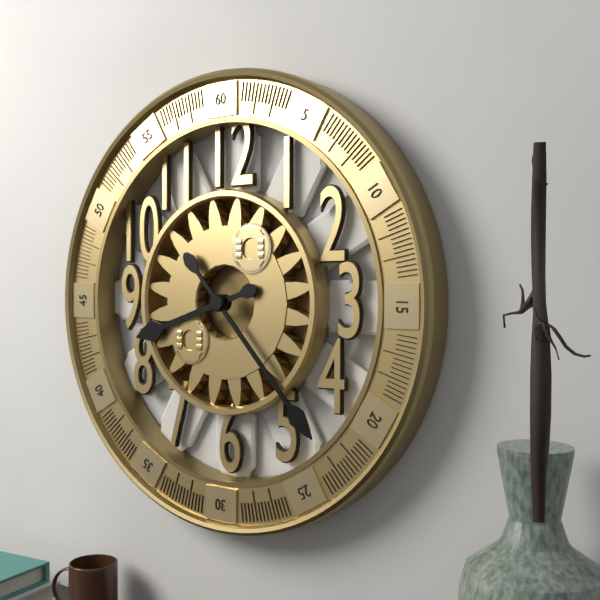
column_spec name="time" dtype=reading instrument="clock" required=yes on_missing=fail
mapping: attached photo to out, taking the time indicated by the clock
8:23
